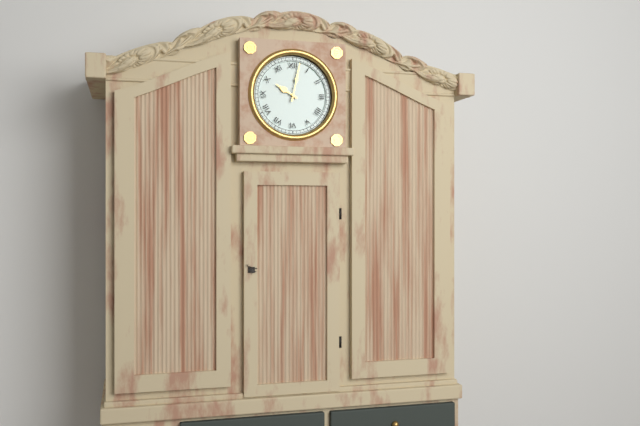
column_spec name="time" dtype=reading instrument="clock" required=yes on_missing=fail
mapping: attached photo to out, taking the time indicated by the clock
10:02
